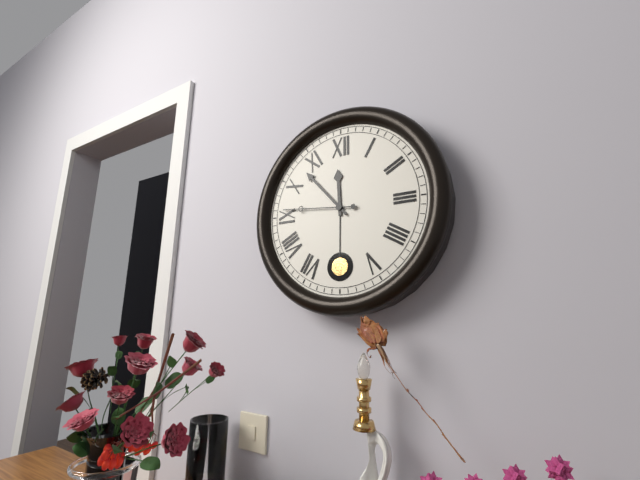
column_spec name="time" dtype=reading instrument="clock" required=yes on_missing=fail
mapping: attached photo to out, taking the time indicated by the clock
11:53:46
